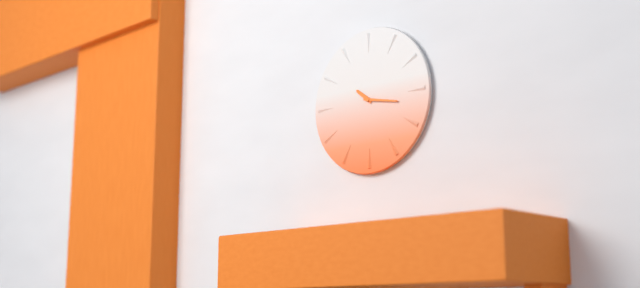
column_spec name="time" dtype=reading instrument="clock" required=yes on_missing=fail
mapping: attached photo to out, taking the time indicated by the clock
10:17
